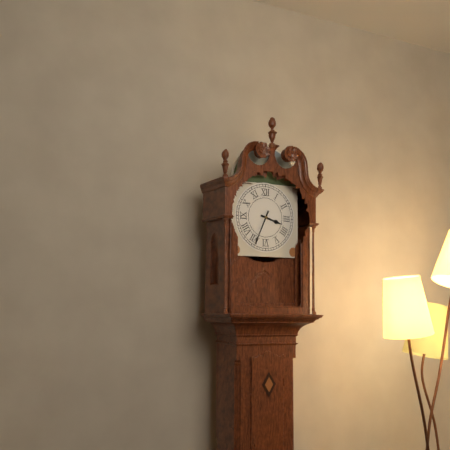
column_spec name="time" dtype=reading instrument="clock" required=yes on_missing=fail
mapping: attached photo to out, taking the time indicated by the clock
3:34
